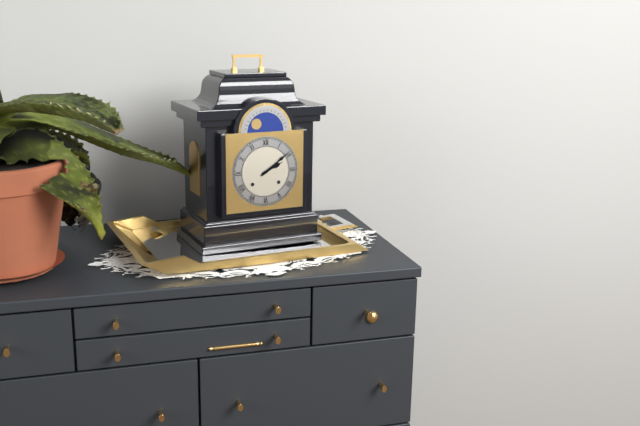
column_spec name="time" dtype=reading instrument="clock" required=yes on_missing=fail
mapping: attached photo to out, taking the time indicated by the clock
2:09
